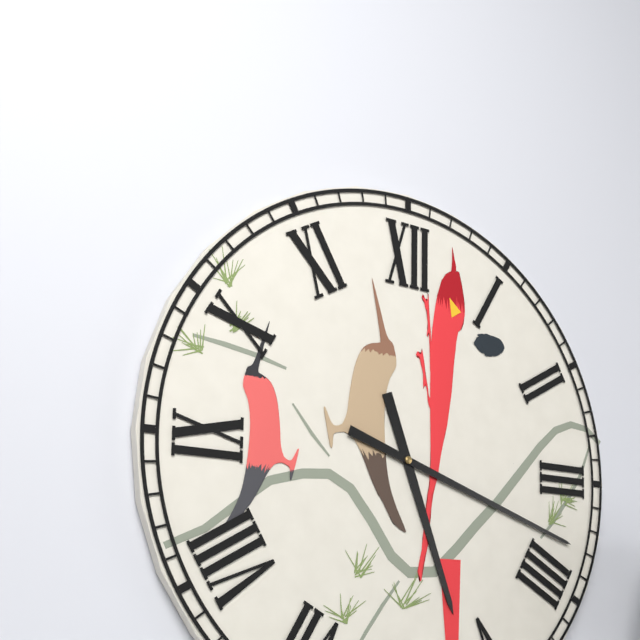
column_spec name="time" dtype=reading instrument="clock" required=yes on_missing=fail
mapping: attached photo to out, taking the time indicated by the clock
5:18
